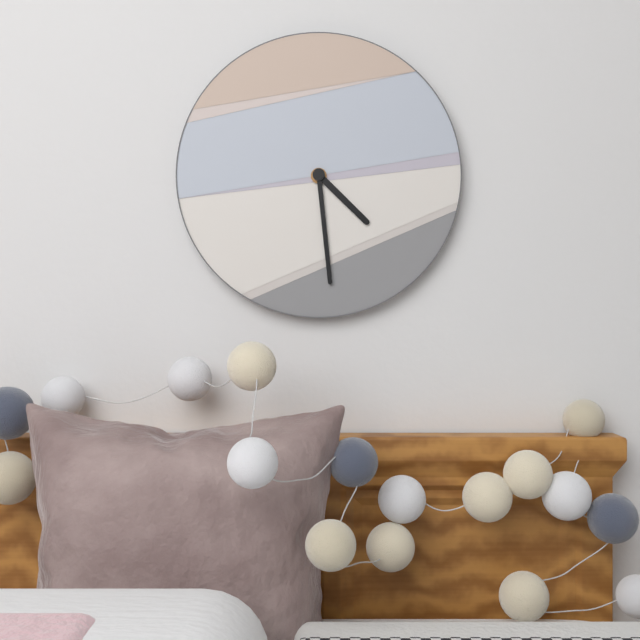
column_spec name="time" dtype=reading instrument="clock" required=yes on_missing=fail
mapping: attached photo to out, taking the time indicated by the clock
4:29
